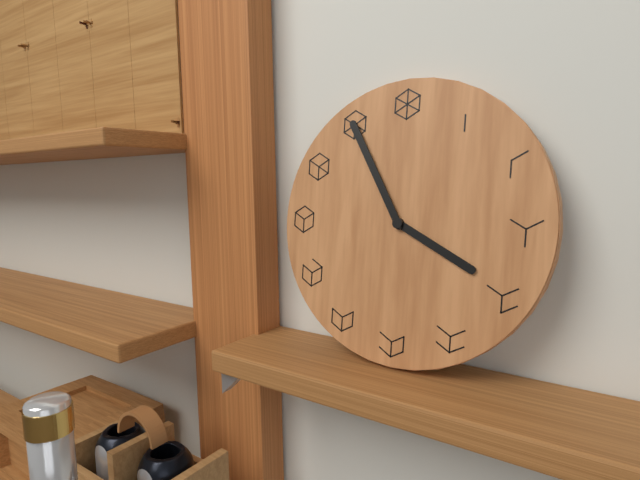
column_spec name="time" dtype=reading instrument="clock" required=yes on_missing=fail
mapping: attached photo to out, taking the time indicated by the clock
3:55
